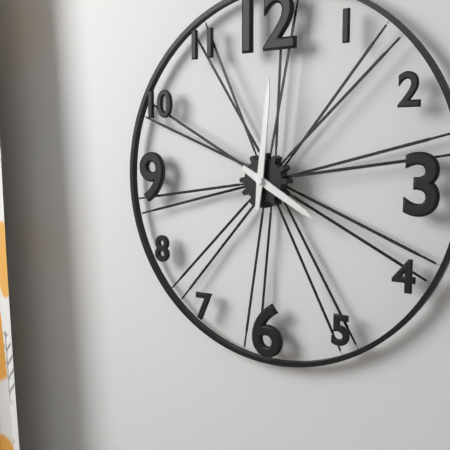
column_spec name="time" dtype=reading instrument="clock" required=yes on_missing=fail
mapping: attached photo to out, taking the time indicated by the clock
4:01
